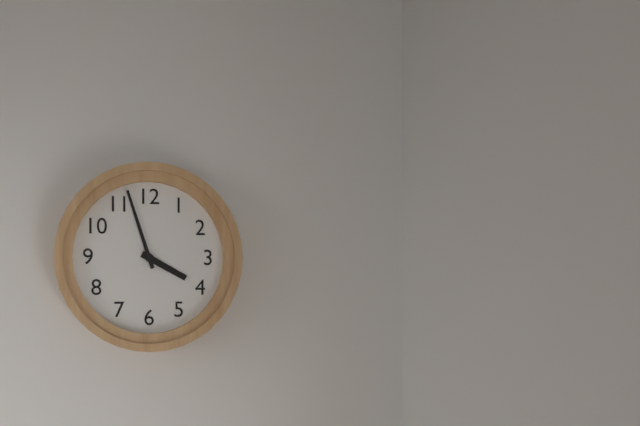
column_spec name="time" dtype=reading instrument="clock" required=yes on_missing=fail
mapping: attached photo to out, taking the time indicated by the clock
3:57
